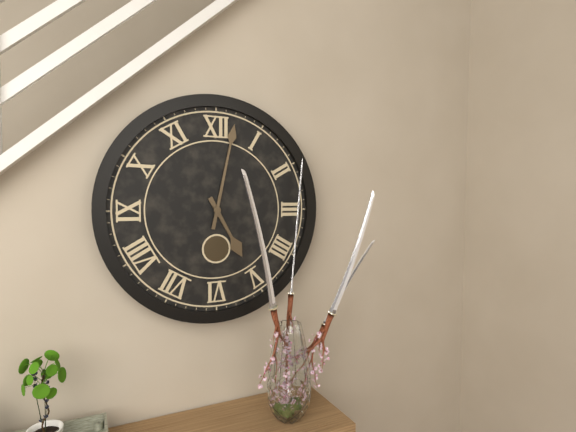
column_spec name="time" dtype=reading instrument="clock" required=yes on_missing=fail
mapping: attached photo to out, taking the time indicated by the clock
5:02
